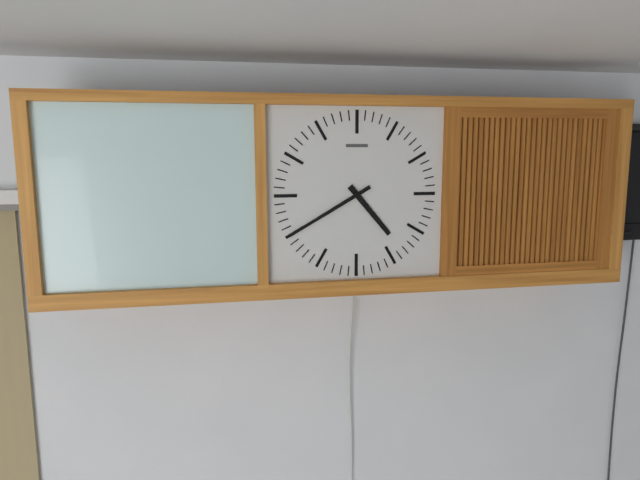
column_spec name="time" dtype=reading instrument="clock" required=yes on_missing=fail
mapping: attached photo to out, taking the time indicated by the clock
4:40
